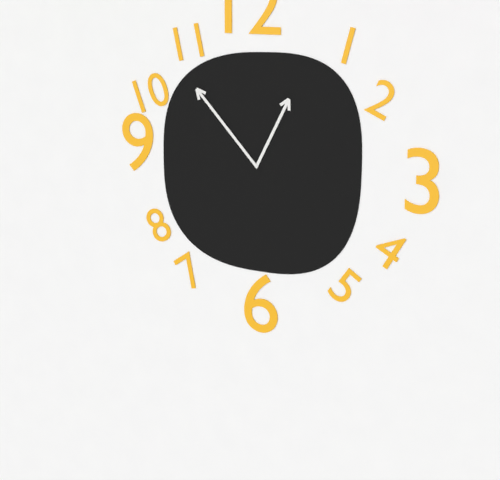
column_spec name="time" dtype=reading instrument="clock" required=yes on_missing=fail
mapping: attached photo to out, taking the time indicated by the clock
12:53
